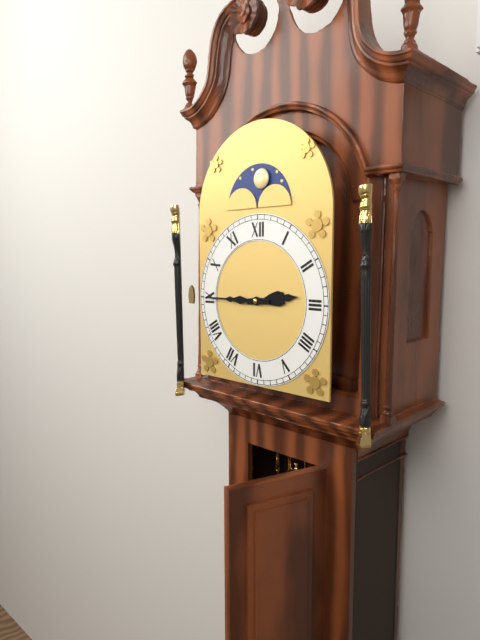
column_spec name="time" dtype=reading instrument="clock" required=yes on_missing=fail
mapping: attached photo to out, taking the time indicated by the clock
2:45
